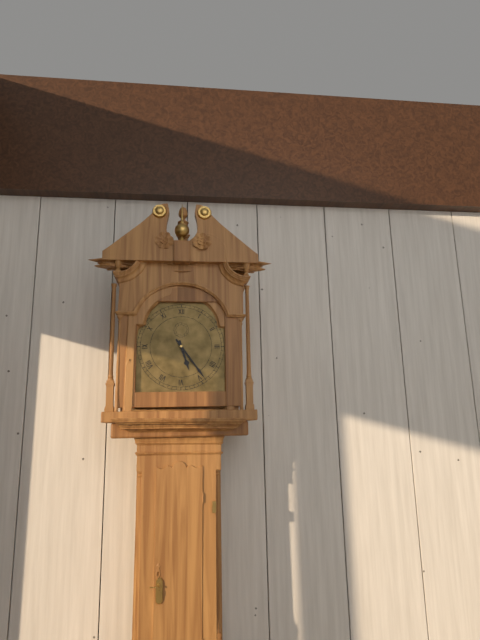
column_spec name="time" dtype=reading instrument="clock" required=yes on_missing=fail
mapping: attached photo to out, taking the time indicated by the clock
5:24
